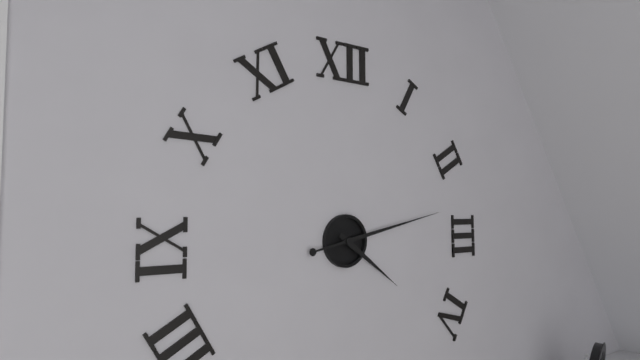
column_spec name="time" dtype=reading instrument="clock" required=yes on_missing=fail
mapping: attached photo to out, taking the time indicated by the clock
4:13
